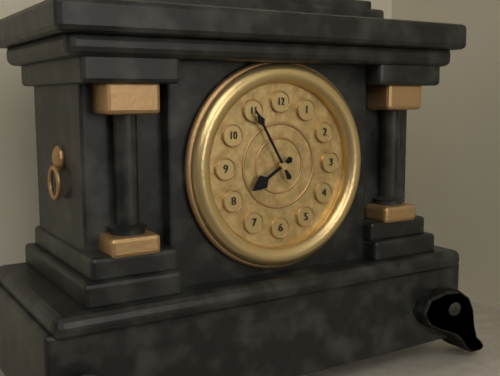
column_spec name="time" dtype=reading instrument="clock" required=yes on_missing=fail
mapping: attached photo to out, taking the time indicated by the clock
7:55
